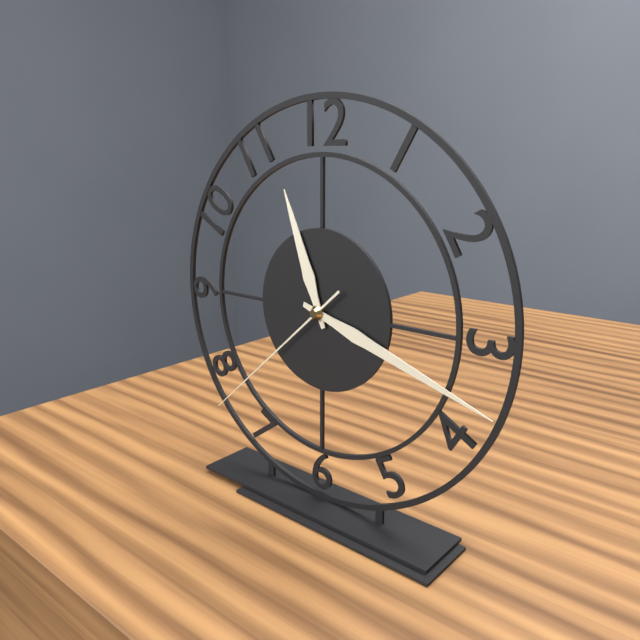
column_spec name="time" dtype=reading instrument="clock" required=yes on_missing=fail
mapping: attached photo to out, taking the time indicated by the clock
11:18:38
